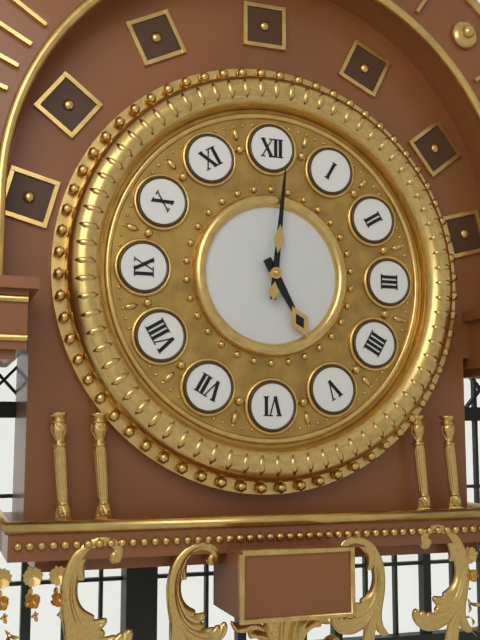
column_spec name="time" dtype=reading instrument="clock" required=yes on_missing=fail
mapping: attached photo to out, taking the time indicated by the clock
5:01
